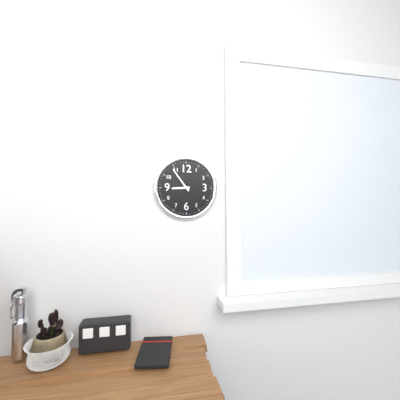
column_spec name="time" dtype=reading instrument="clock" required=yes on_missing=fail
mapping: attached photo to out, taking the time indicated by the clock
8:54
